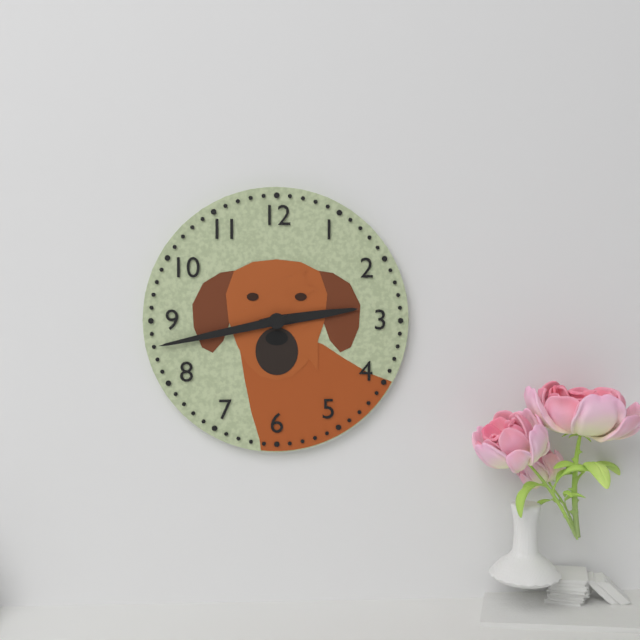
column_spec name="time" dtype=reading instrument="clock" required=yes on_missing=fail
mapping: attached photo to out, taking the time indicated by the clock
2:43
